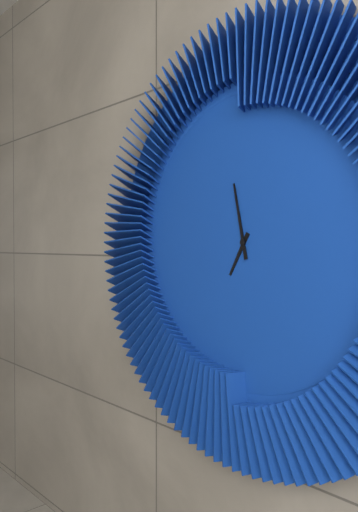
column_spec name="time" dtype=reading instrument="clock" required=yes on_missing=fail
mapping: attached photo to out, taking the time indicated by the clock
6:58
